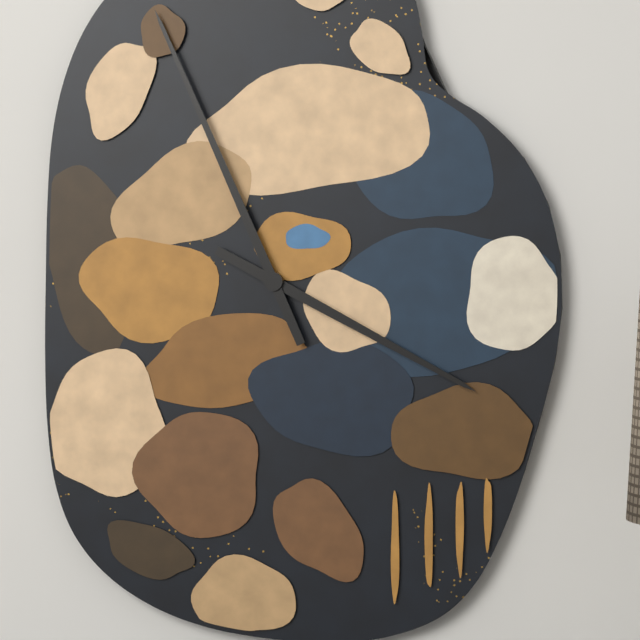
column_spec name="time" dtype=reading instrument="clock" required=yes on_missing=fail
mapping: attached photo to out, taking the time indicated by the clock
3:56
